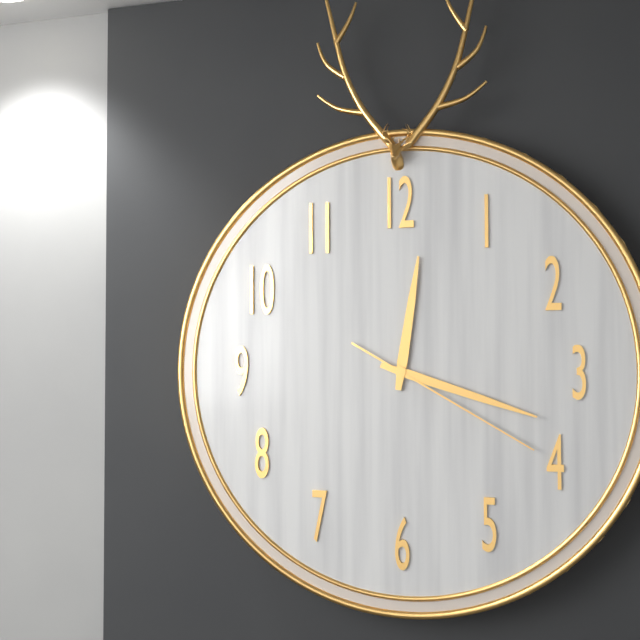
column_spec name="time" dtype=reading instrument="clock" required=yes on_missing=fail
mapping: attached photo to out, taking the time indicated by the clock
12:18:20
